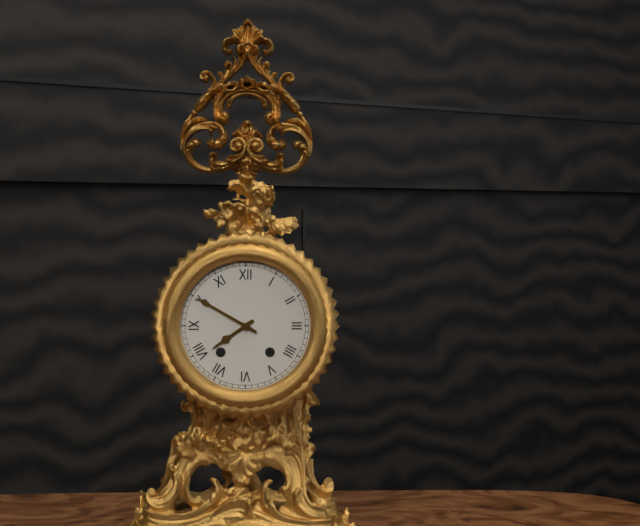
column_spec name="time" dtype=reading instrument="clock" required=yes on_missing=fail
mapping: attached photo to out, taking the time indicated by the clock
7:50
